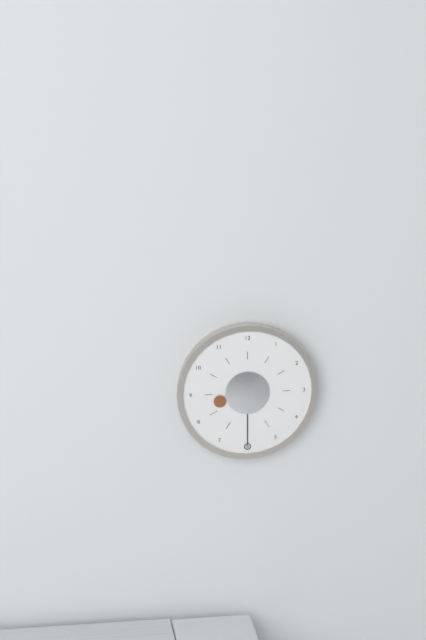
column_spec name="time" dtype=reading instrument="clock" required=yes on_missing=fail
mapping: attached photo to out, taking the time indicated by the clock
8:30
